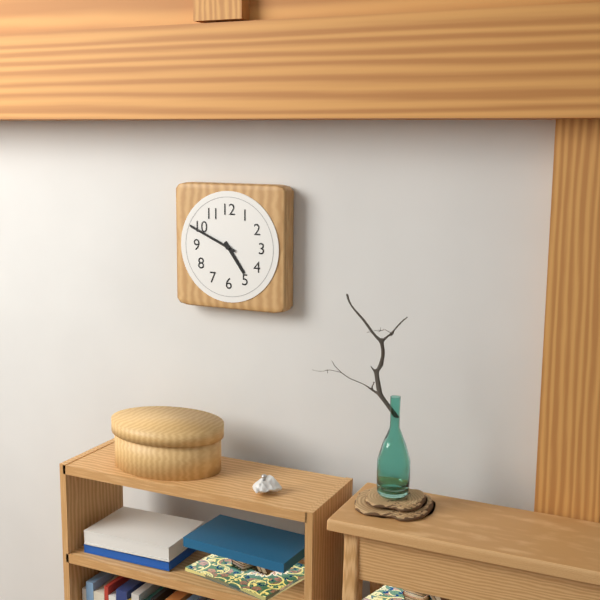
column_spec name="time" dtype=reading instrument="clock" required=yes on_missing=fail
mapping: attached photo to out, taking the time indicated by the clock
4:49
